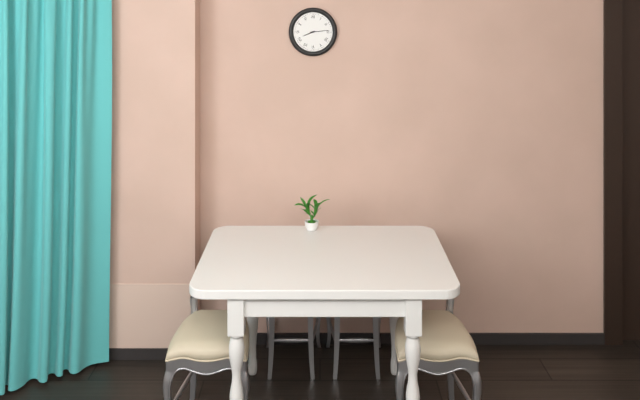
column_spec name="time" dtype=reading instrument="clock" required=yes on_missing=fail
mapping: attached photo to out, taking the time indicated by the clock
8:14
